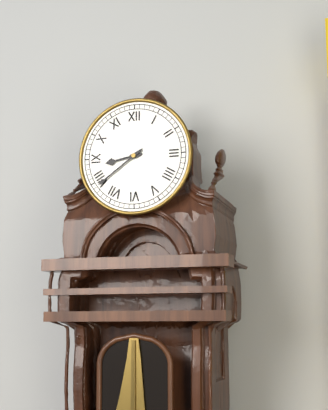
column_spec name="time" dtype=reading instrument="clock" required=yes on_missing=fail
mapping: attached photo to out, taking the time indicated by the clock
8:39
